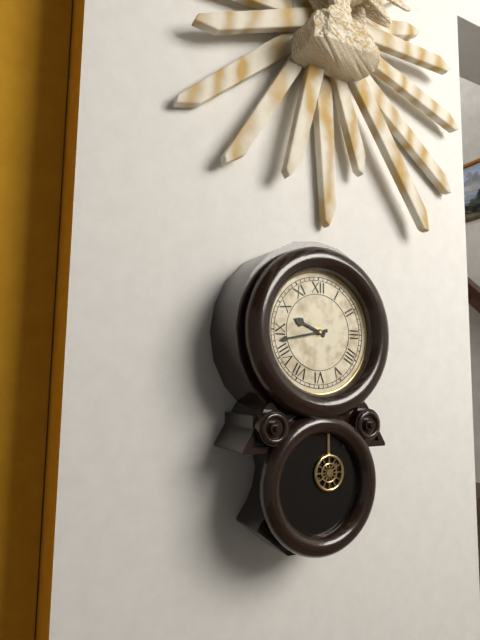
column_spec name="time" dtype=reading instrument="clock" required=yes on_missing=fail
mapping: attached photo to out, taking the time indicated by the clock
9:43
